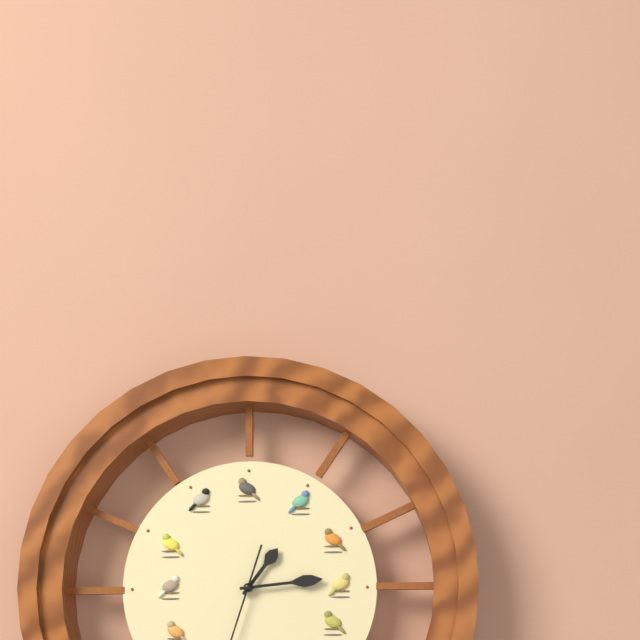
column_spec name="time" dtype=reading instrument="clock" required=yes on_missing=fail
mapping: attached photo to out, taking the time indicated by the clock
1:14
